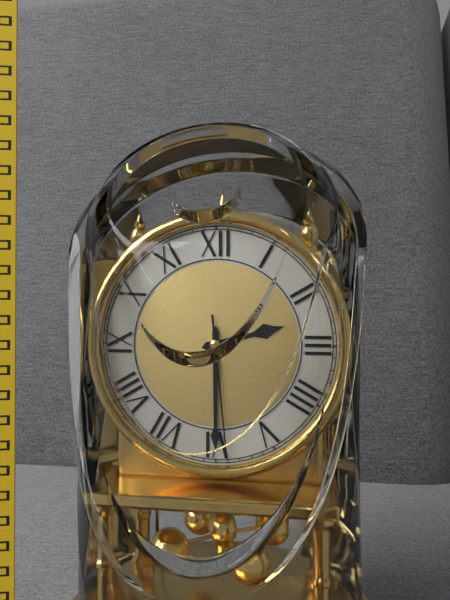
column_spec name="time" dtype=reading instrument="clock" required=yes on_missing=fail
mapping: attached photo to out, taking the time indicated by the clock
2:30:29
